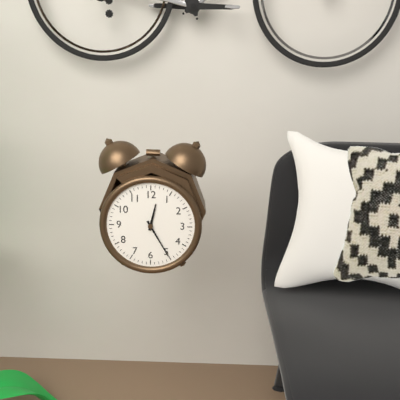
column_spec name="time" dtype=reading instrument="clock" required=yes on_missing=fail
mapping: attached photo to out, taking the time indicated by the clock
12:25
